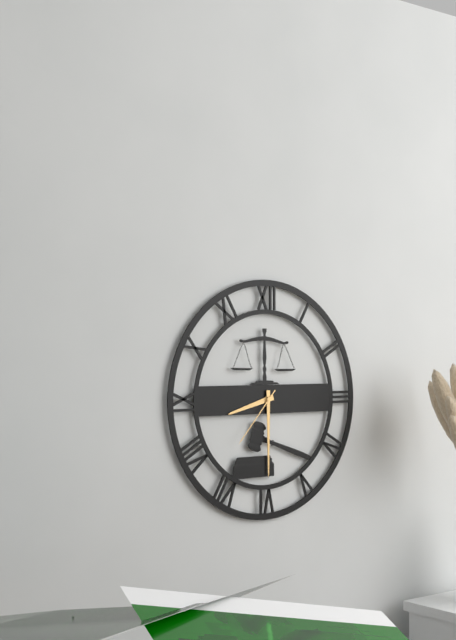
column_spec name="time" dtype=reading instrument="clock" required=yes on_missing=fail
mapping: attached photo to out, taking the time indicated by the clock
8:30:37
